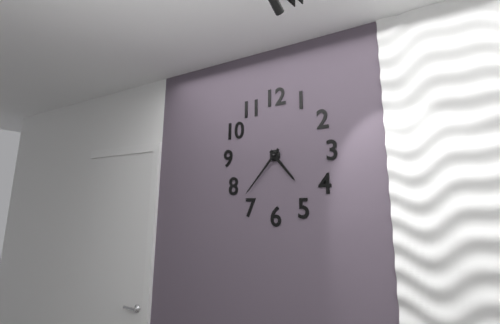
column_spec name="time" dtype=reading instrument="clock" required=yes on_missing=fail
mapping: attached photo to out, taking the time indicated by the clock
4:37
